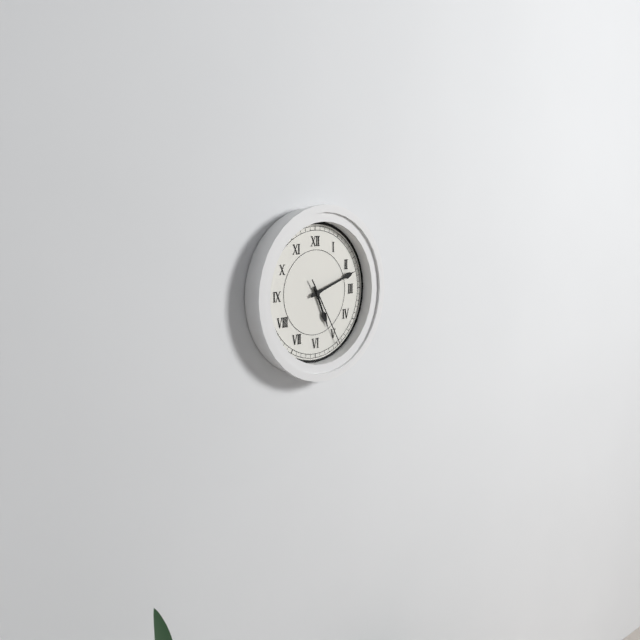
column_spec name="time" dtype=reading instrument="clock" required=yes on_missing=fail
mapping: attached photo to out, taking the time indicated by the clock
5:12:25
